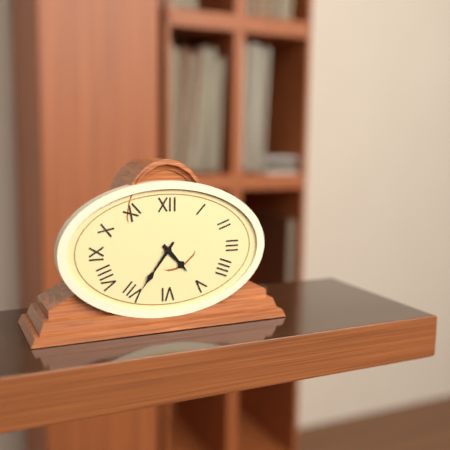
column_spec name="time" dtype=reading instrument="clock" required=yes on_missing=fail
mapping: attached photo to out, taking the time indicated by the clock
4:36
